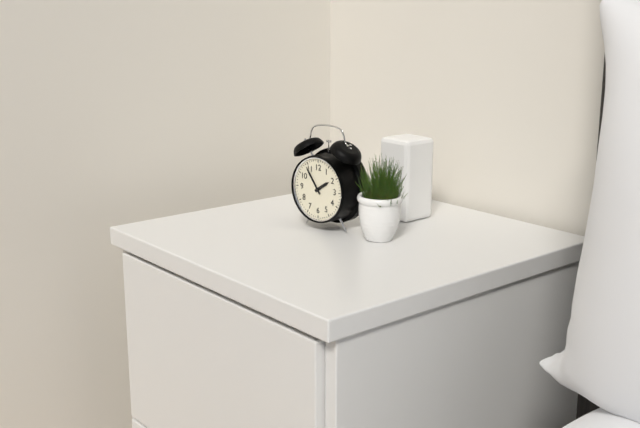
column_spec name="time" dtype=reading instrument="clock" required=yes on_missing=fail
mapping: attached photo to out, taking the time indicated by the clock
1:54
